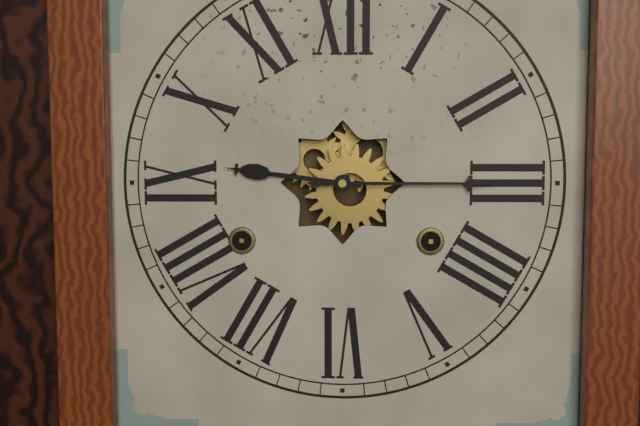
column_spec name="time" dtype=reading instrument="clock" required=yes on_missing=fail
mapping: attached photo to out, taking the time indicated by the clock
9:15
